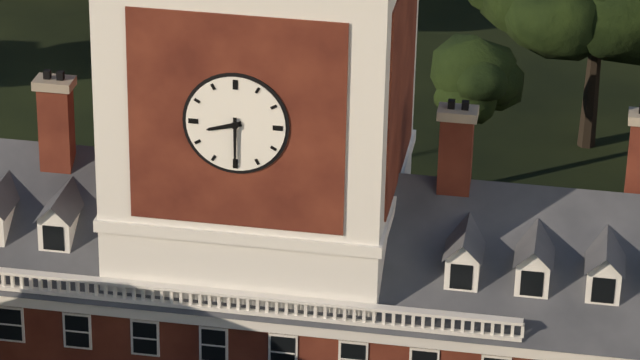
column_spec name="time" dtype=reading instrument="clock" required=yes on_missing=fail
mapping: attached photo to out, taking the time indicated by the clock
8:30
